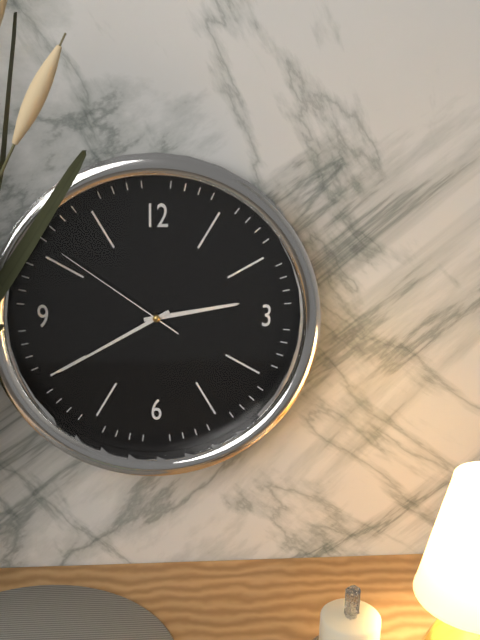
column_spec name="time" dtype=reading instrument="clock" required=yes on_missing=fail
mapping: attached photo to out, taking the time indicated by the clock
2:40:51
